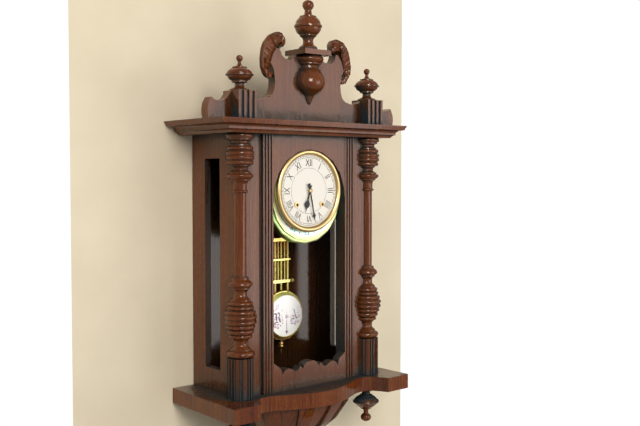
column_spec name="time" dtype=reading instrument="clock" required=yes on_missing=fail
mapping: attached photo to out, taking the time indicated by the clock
6:28
